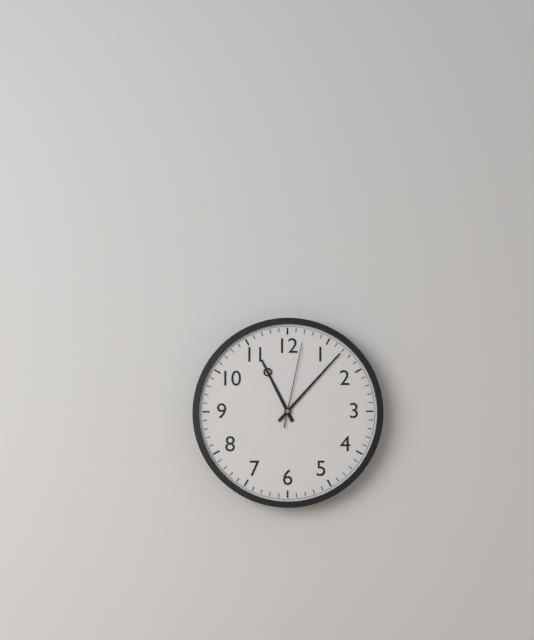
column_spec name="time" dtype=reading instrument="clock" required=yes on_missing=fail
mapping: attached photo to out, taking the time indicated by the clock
11:07:02
